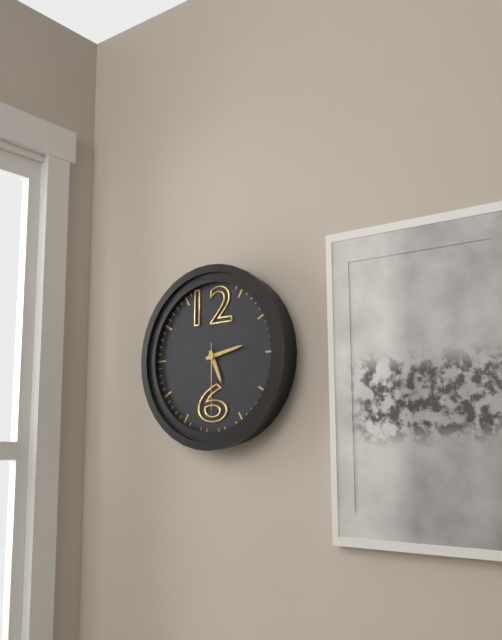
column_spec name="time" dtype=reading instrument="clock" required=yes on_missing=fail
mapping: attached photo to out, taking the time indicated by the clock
5:13:30
